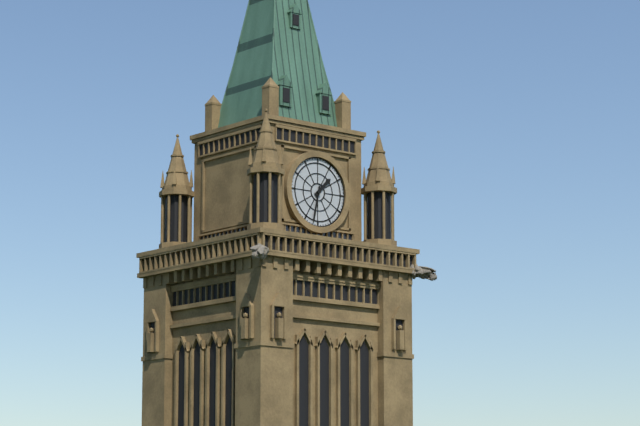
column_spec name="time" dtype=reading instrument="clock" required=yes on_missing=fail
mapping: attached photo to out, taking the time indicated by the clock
1:32
